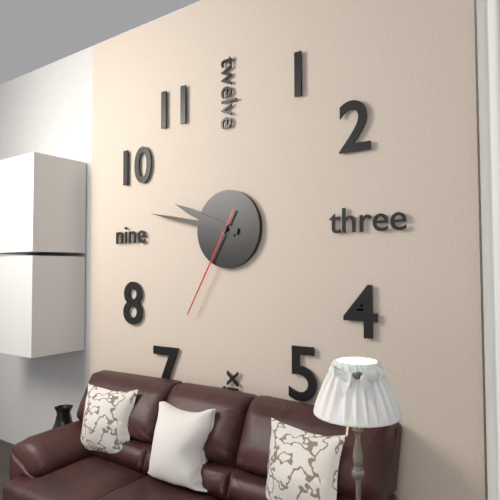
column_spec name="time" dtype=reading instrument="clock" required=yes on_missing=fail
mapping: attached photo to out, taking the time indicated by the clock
9:47:35
